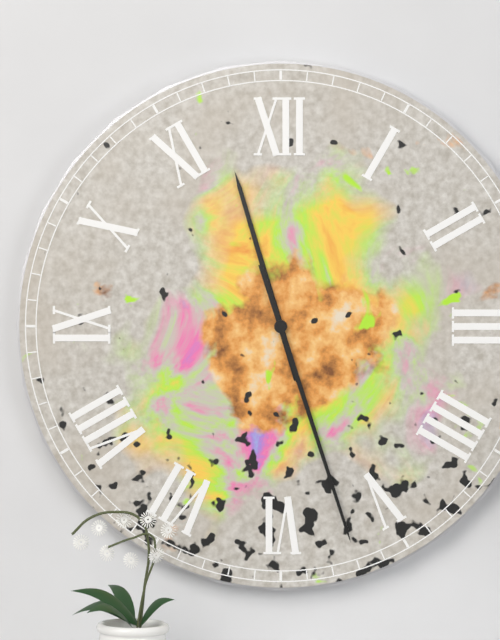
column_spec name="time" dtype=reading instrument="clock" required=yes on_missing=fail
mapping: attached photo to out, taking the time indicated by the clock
11:27
